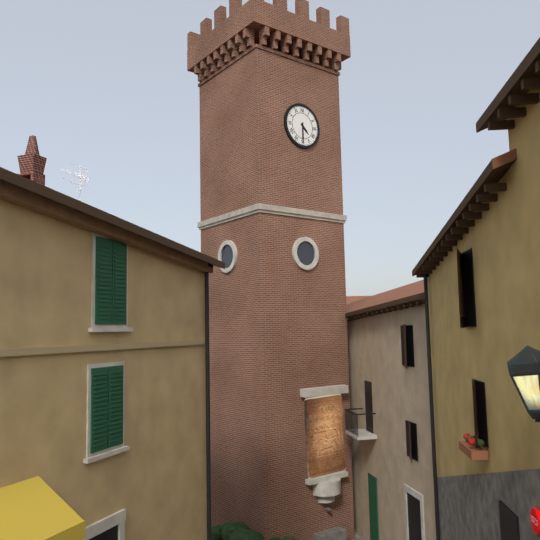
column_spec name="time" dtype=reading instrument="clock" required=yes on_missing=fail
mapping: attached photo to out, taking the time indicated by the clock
4:30
